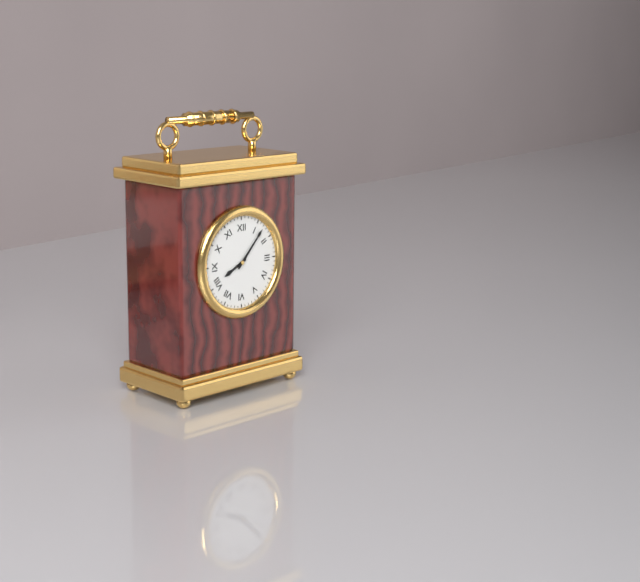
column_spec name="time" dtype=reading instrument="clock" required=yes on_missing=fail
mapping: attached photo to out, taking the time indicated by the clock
8:07
